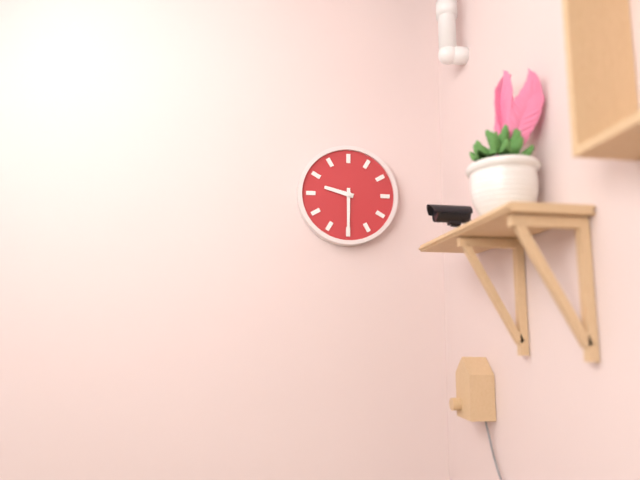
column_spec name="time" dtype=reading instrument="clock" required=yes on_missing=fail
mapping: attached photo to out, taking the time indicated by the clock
9:30
